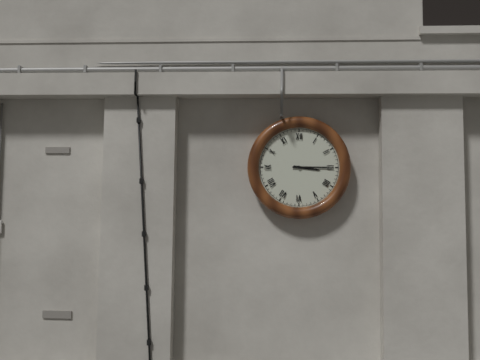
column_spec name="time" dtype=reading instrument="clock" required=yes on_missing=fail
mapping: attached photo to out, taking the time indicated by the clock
3:15
